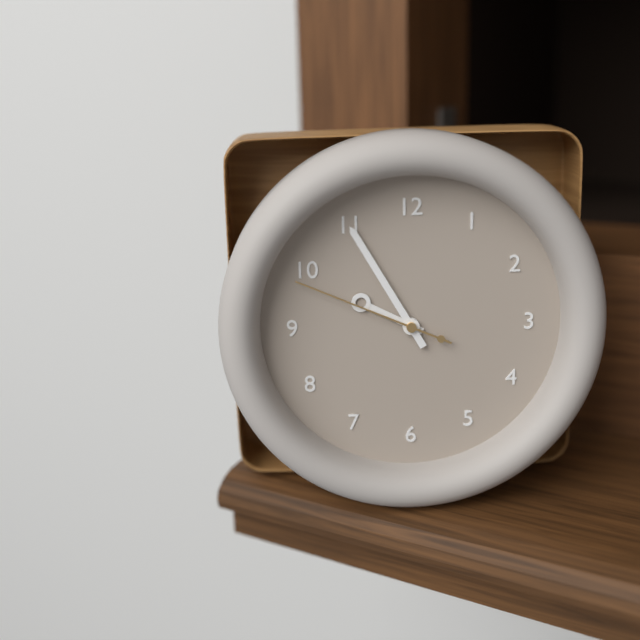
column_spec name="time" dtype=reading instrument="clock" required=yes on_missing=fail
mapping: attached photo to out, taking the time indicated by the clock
9:55:49
